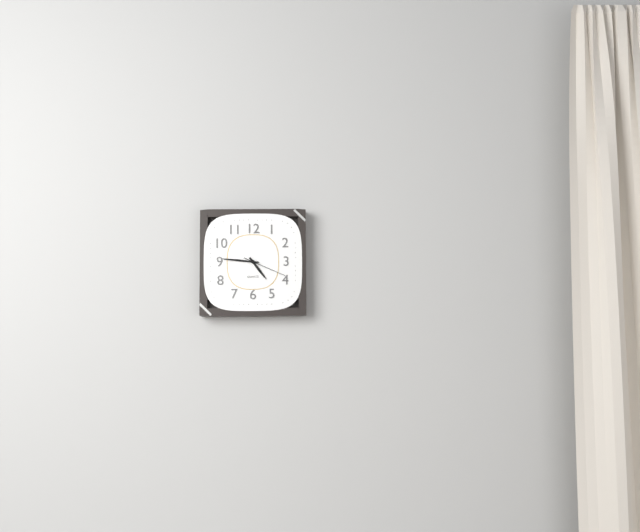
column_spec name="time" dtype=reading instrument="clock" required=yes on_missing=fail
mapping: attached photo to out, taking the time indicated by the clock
4:46
